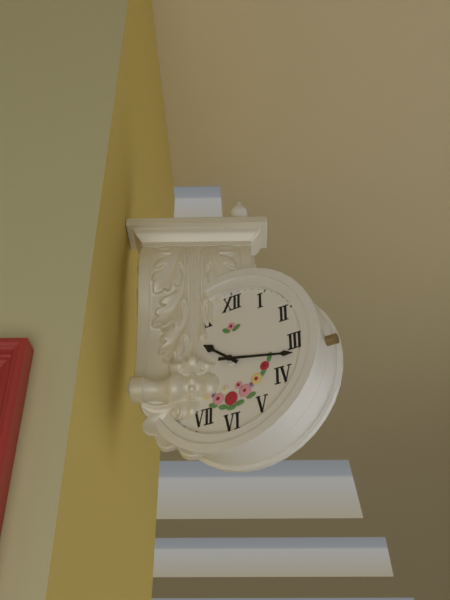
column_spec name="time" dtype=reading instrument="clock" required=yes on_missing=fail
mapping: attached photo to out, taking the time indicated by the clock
10:17
